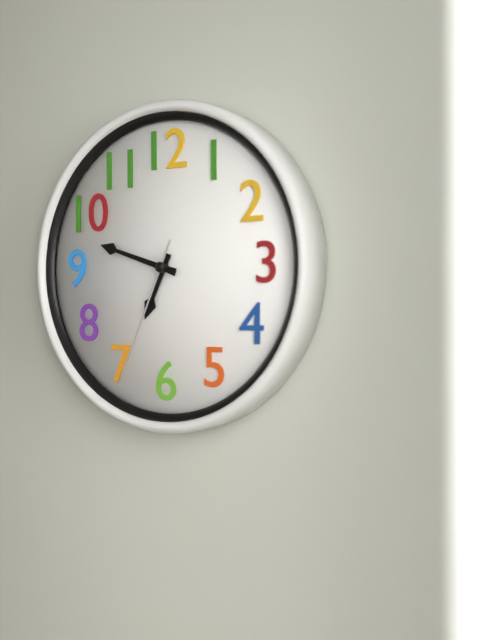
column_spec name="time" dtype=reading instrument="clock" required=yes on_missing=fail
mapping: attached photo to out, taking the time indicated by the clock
6:48:34
